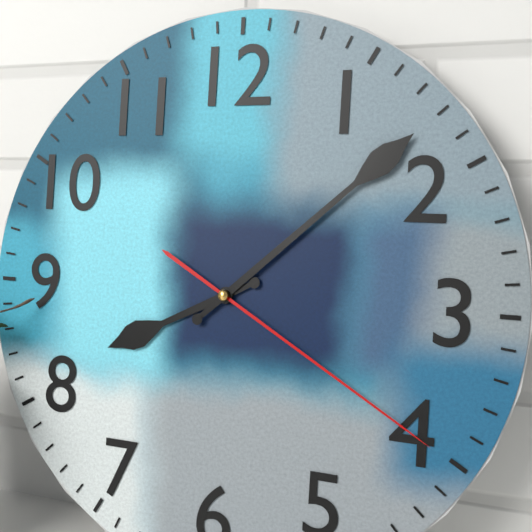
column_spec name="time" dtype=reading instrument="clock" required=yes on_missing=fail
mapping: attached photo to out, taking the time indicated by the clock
8:08:20
